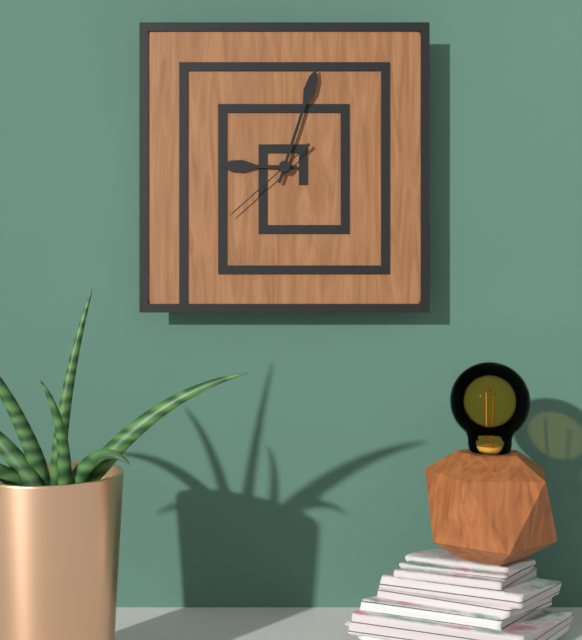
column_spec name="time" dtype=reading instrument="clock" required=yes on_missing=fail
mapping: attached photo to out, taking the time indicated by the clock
9:03:38
